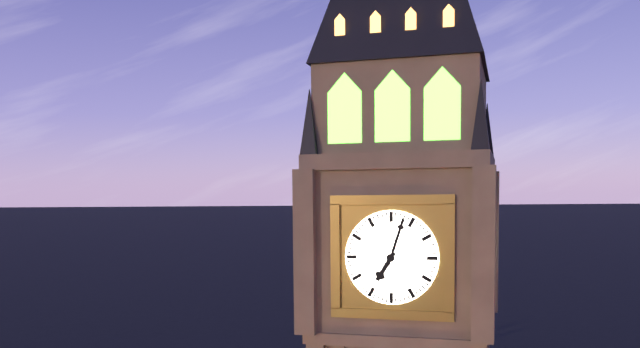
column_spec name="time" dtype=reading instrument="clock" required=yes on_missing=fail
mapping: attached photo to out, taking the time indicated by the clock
7:03
